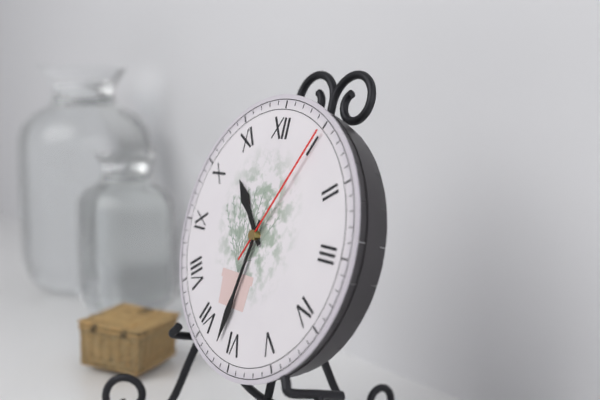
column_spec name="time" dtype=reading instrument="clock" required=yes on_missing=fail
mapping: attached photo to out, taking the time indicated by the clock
10:32:05
